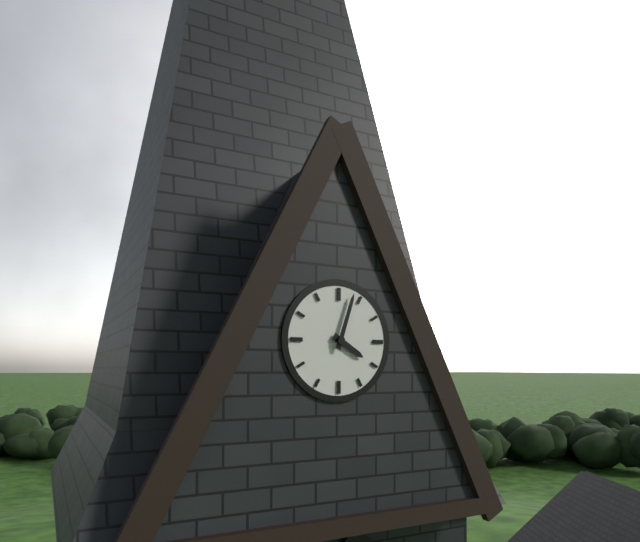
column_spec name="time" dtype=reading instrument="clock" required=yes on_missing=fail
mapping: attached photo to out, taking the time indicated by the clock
4:03
